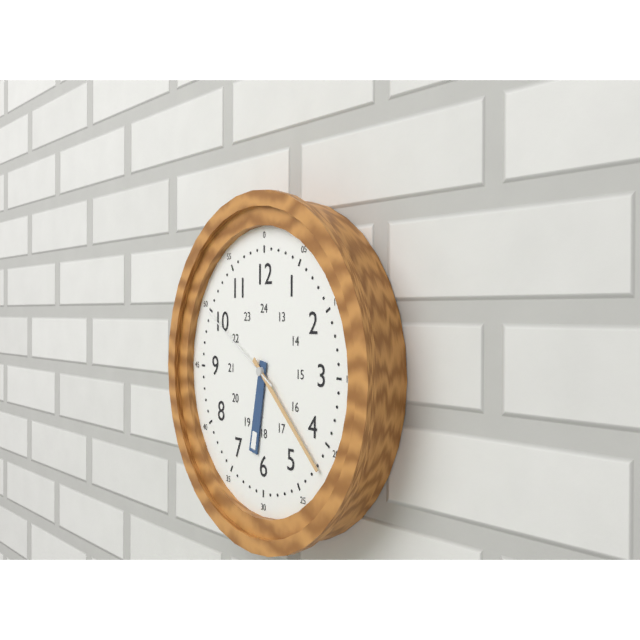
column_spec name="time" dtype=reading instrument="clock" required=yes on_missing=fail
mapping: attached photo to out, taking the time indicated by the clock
6:22:50
